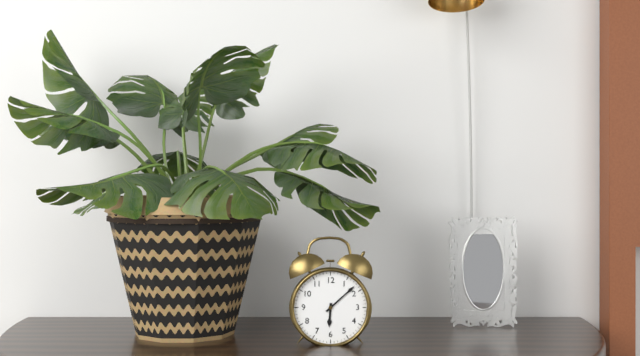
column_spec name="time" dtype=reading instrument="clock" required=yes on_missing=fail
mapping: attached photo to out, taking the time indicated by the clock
6:08
